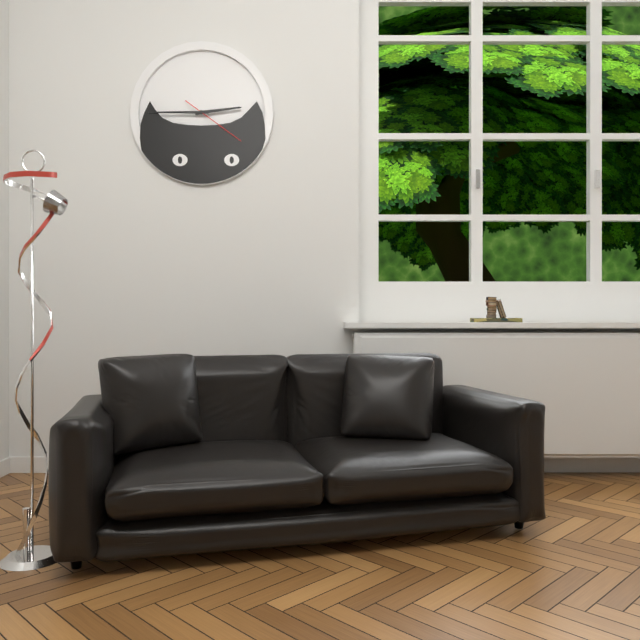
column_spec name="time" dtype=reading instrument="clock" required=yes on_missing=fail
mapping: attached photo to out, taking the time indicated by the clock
2:45:21
